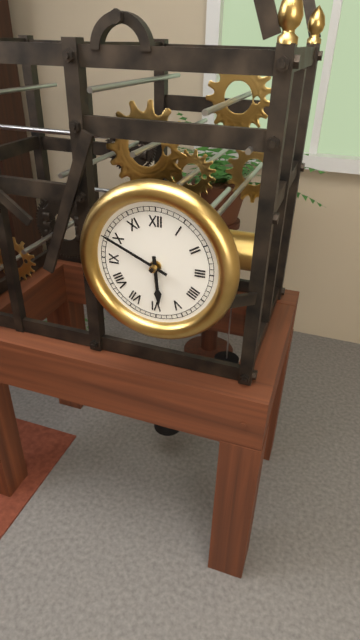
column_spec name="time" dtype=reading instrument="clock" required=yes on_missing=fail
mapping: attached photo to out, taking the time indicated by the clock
5:49
